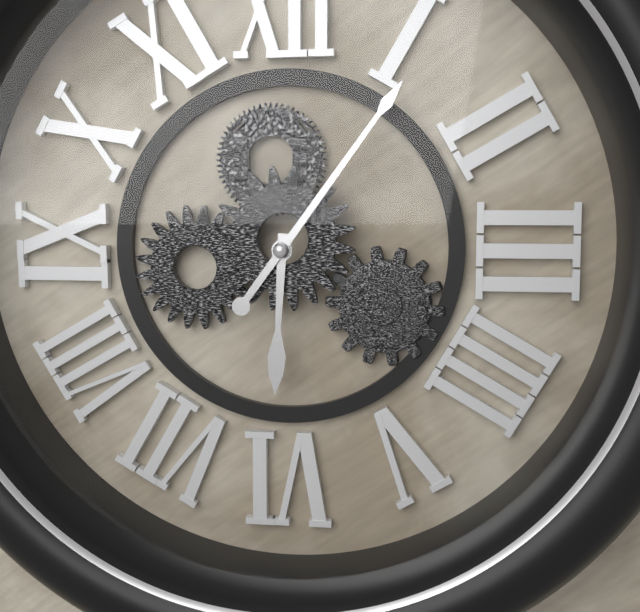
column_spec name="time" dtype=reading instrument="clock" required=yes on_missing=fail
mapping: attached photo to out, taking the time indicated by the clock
6:06
